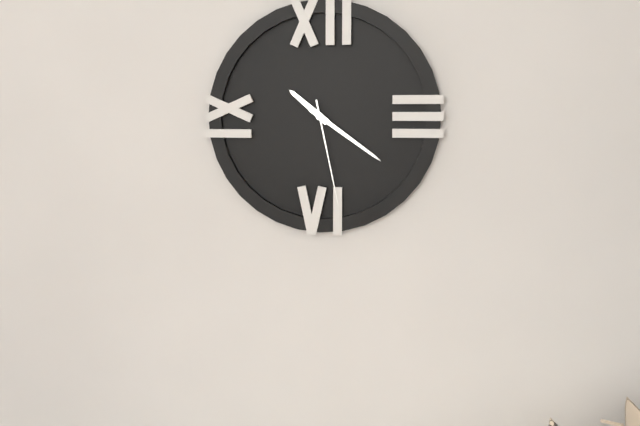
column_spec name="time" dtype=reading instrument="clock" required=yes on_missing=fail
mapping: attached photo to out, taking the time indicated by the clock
10:21:28
